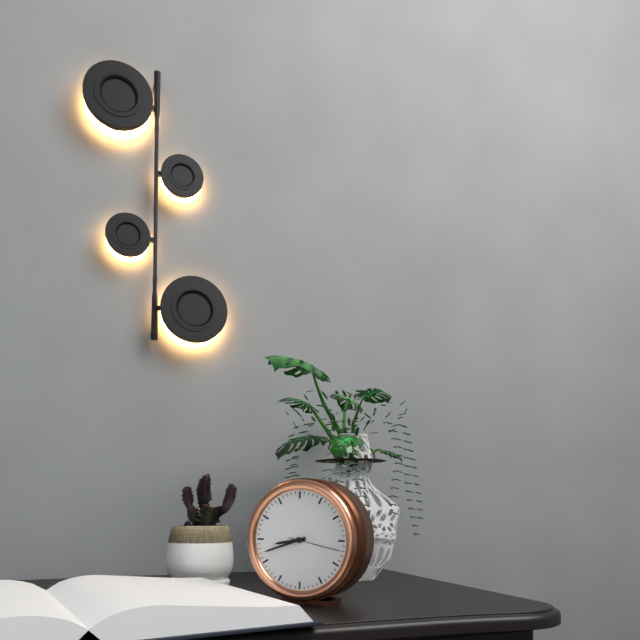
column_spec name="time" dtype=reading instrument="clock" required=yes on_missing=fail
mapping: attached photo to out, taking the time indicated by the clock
8:42
